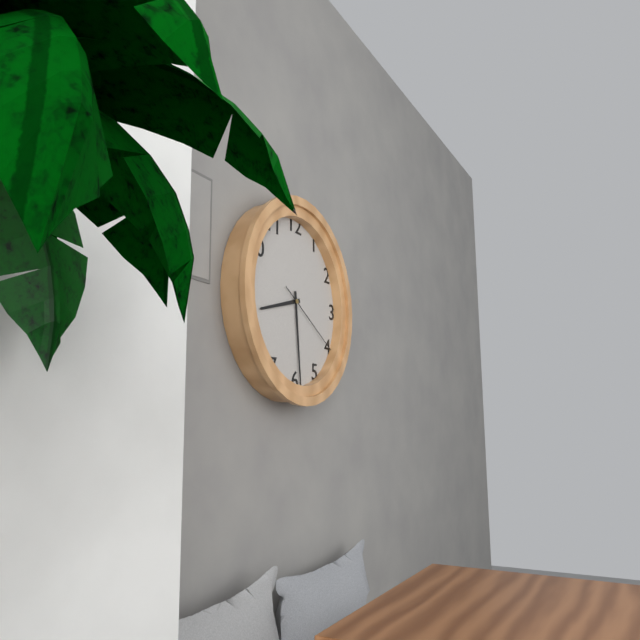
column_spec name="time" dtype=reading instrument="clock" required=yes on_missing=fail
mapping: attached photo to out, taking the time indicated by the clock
8:29:20
